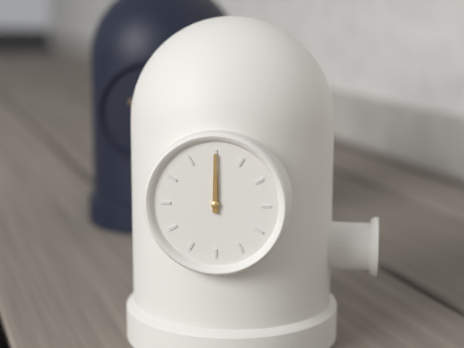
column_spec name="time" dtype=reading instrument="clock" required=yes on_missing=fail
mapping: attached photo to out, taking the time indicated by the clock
12:00
